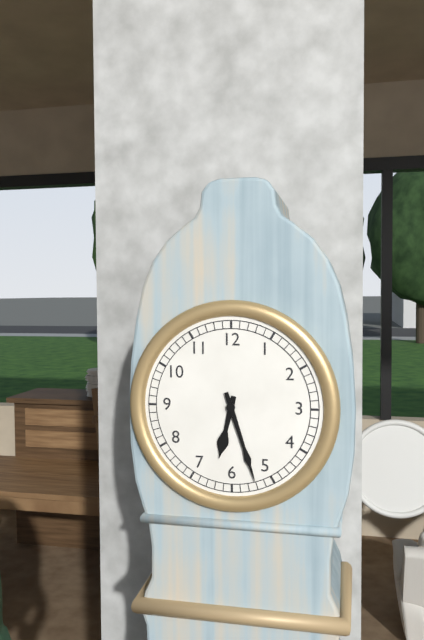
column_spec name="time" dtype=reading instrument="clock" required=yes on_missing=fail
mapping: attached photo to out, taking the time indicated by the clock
6:27
